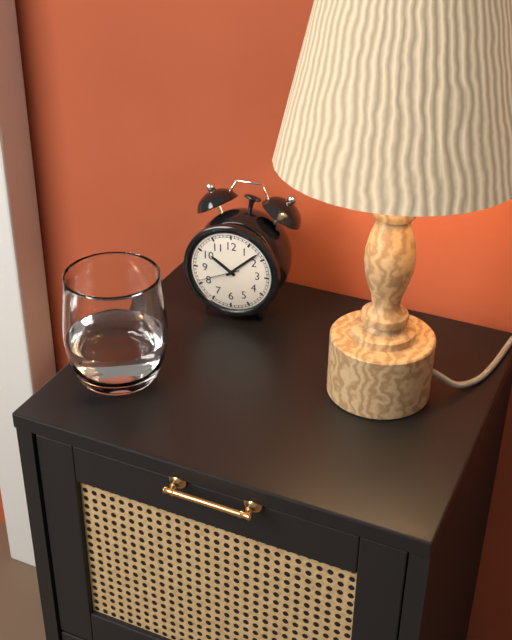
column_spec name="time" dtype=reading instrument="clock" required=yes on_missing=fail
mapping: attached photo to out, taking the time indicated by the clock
10:08
